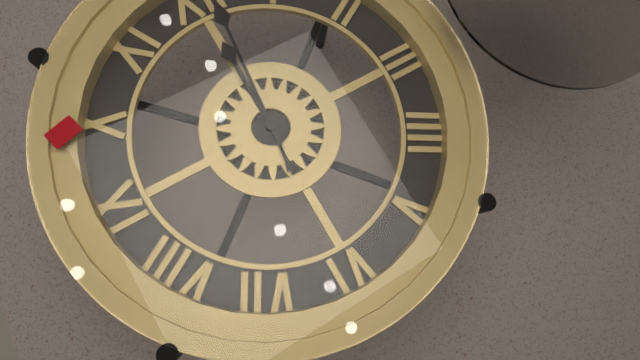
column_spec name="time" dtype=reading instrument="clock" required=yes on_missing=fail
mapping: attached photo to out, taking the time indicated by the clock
12:01
